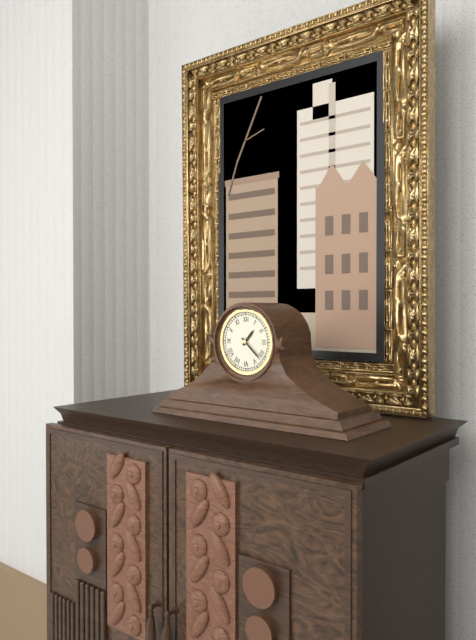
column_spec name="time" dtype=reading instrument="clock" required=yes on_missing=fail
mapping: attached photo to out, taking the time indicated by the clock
1:22
